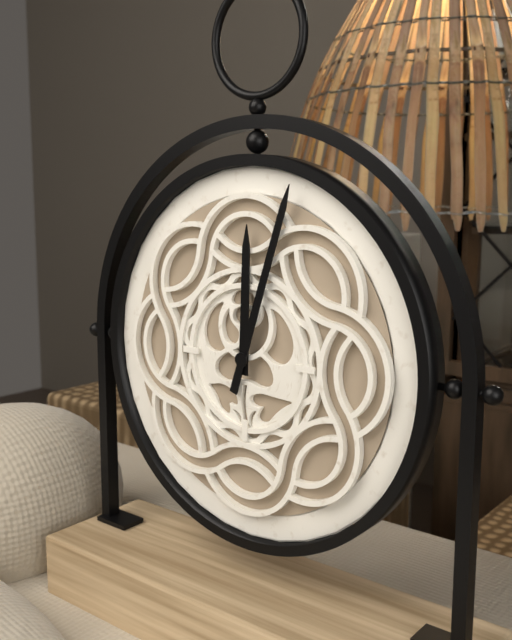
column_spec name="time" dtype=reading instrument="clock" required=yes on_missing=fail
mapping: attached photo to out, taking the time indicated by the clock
12:03
